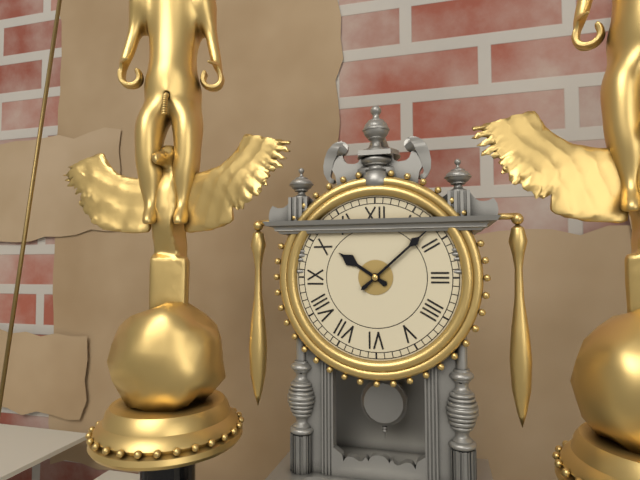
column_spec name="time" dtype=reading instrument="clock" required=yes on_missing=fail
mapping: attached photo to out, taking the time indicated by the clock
10:08
